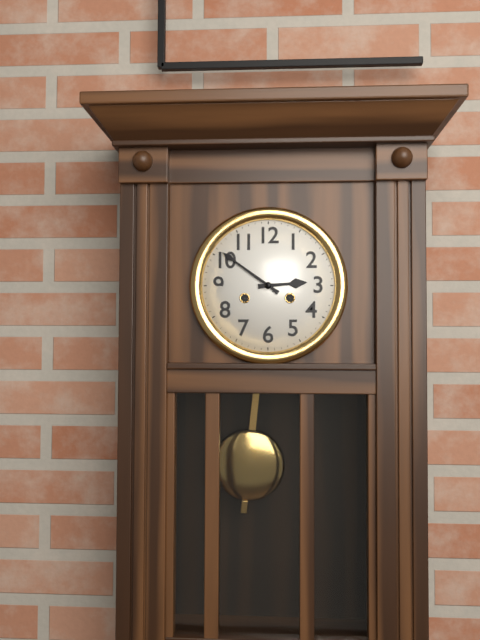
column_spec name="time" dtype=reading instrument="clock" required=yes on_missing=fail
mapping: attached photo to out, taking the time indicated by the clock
2:51
